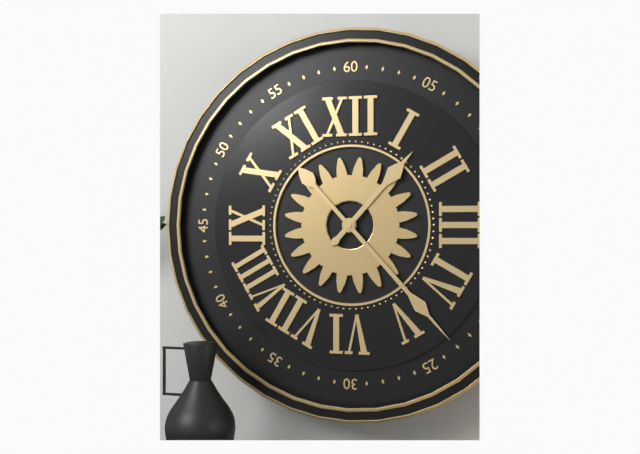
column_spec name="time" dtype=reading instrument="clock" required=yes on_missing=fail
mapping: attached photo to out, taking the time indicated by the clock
1:23
